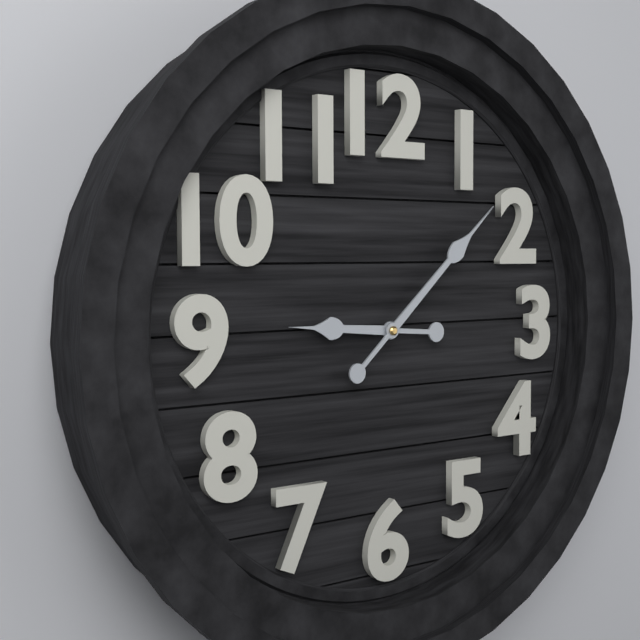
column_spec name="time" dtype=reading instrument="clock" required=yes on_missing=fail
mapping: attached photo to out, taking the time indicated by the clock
9:08
